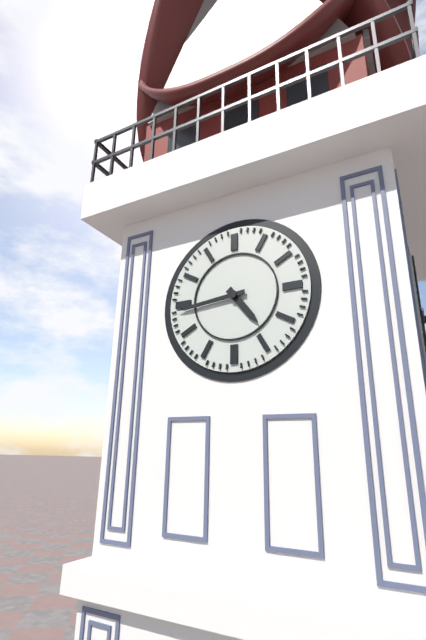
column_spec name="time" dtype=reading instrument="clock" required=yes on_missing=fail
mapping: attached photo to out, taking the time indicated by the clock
4:44
